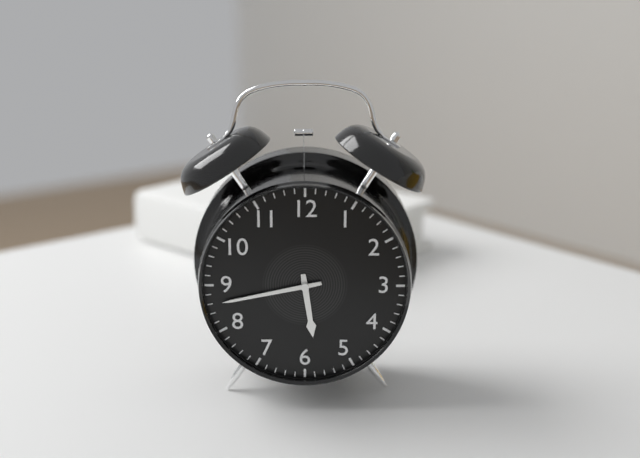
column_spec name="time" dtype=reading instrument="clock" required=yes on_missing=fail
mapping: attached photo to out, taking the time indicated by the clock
5:43
